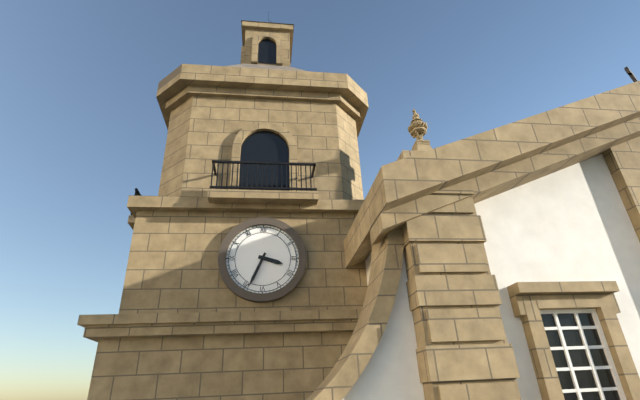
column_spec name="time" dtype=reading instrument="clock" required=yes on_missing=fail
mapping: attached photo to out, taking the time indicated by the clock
3:34
